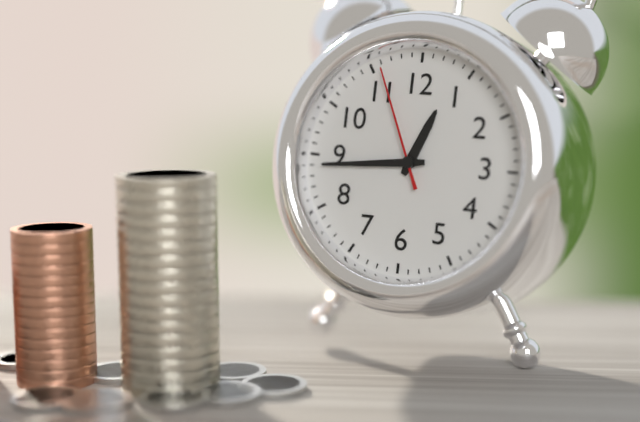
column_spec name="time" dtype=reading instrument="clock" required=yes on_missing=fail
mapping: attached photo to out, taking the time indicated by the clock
12:44:56
